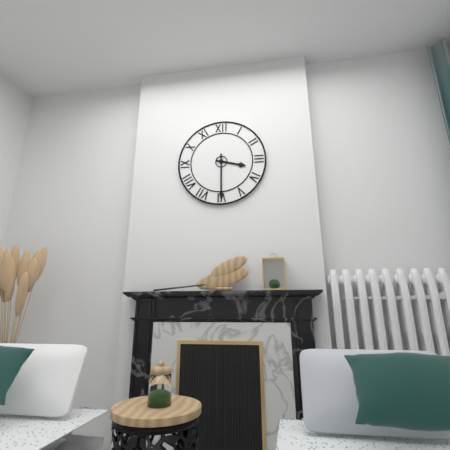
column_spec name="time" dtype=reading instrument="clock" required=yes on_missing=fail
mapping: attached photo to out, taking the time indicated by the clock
3:30
